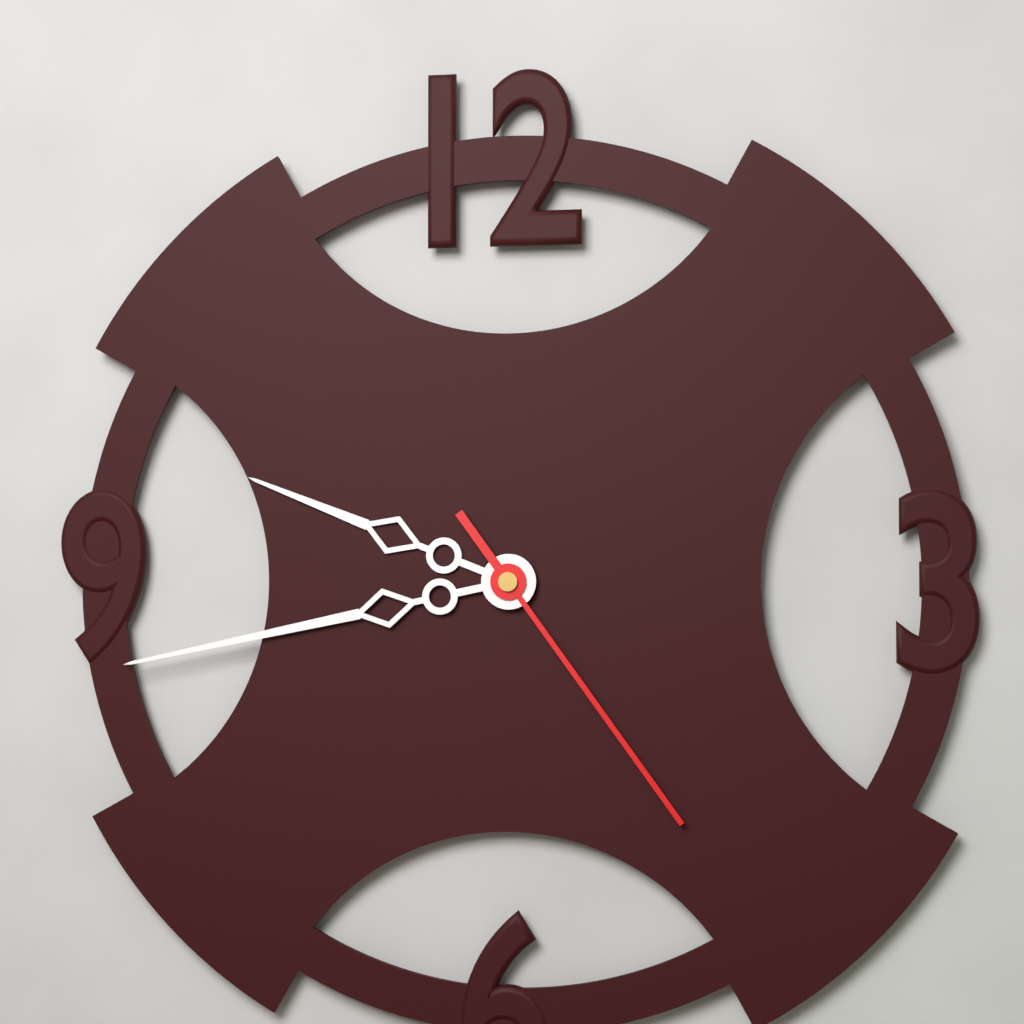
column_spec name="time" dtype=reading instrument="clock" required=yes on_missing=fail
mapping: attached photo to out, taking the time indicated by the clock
9:43:24
